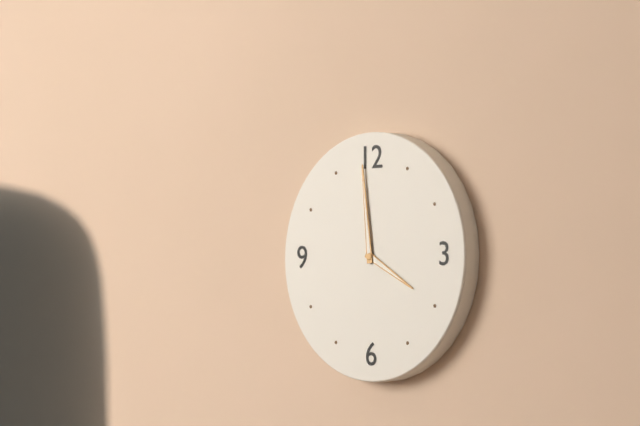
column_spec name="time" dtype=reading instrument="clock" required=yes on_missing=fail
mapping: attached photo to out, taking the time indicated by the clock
3:59
